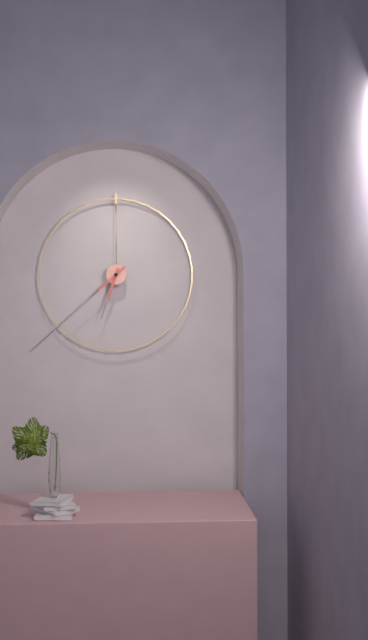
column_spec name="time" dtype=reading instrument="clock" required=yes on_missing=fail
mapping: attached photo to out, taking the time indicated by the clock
6:38
